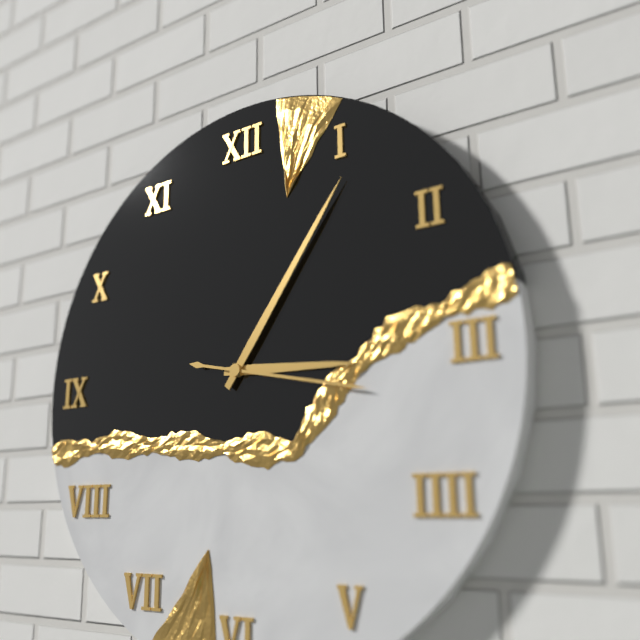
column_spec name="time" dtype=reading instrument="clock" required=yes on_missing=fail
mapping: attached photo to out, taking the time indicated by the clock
3:06:17
